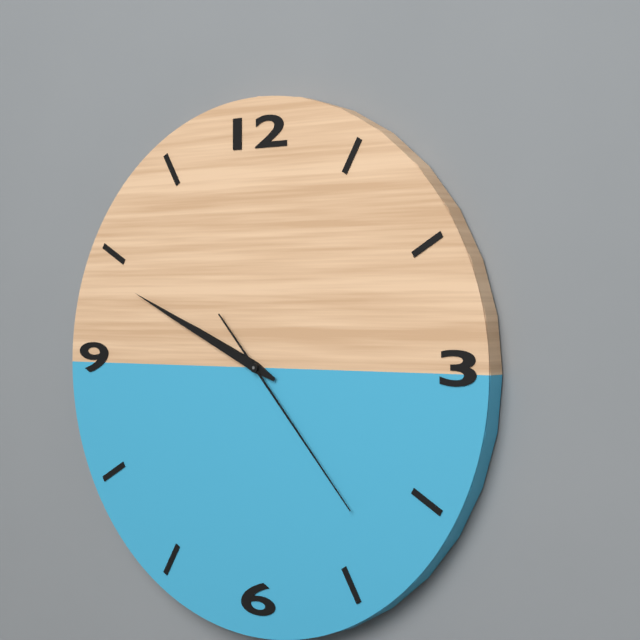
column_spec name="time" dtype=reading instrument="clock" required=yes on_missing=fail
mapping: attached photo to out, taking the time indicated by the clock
9:49:23
